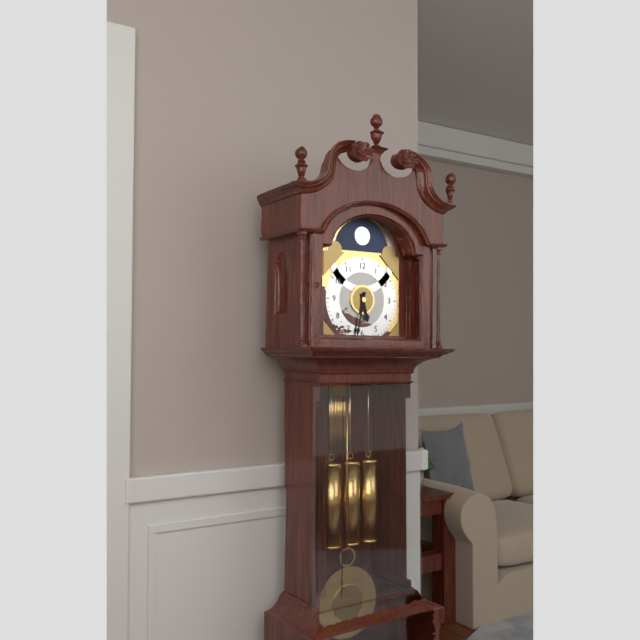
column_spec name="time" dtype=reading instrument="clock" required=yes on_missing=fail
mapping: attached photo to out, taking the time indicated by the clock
5:32
